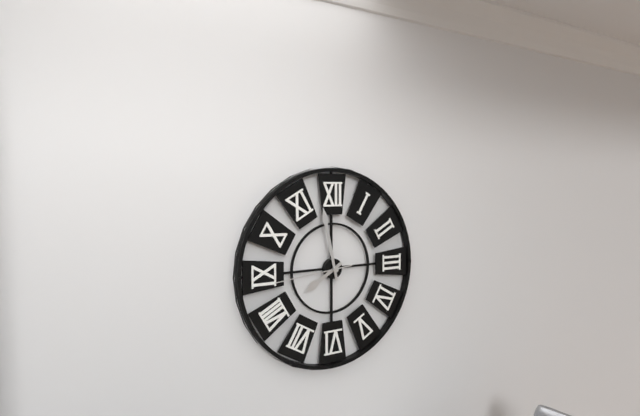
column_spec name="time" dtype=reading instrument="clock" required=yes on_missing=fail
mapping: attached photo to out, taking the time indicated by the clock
7:58:44
